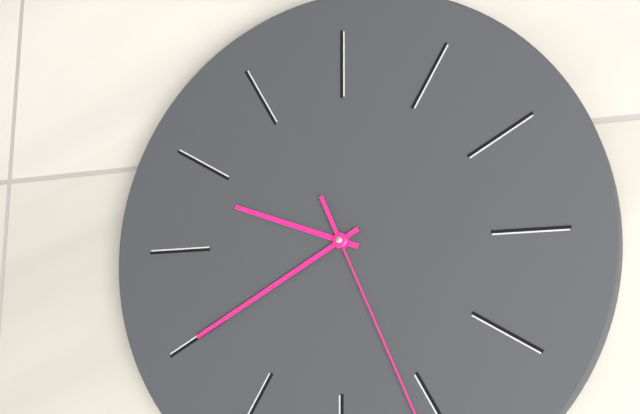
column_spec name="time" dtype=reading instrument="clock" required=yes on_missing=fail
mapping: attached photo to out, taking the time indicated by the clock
9:40
